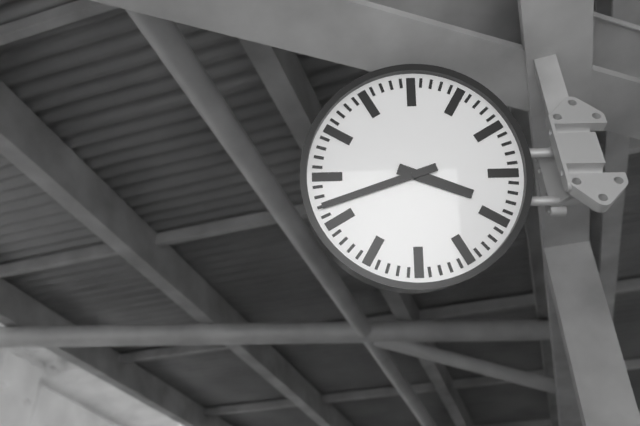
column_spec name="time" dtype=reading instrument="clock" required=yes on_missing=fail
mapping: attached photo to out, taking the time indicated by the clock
3:42
